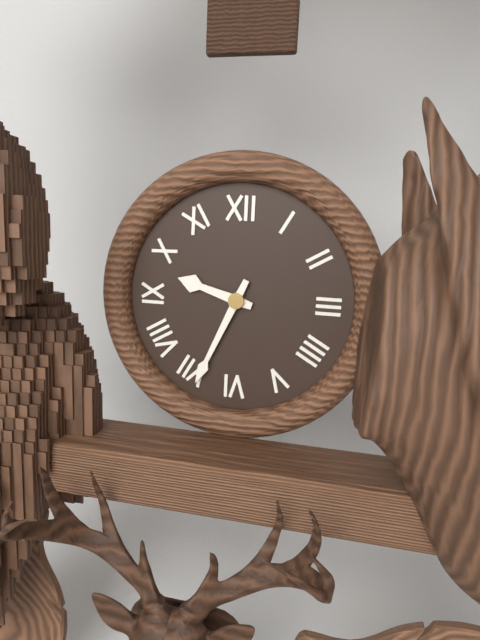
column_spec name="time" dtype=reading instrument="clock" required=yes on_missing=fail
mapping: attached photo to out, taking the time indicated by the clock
9:34
